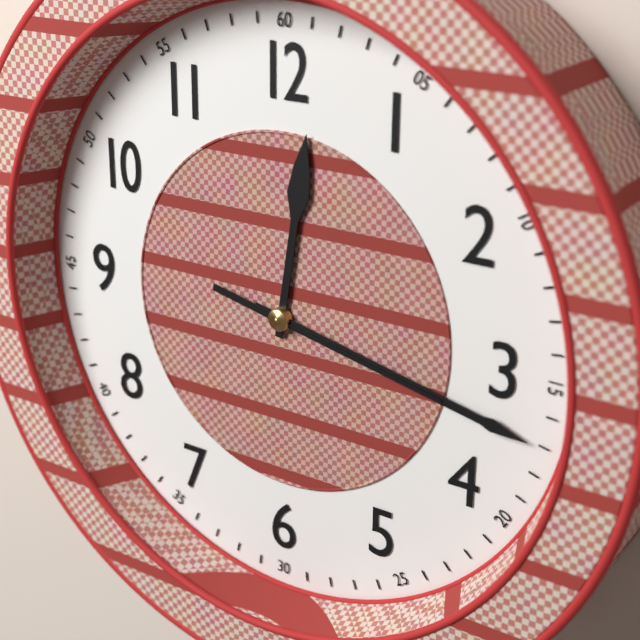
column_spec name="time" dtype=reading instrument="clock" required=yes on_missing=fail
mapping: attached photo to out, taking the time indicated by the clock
12:17:17
